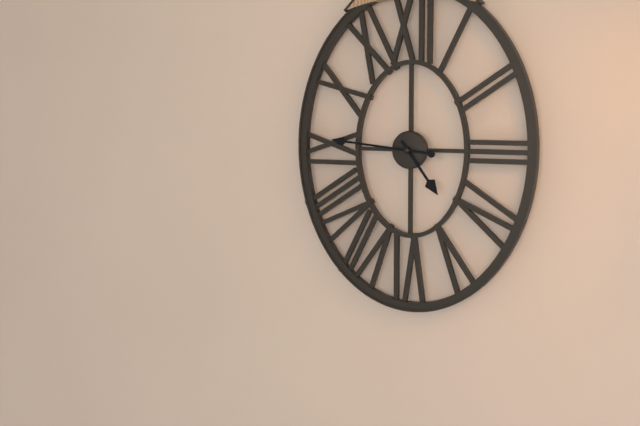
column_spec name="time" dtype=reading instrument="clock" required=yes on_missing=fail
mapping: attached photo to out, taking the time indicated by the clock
4:46
